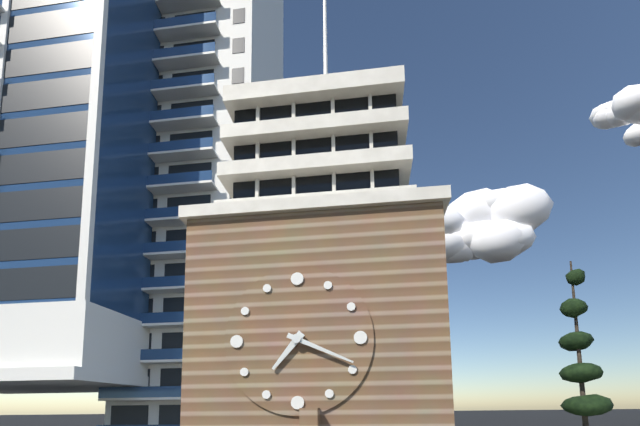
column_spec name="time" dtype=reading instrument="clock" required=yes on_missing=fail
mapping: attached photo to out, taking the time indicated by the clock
7:19
